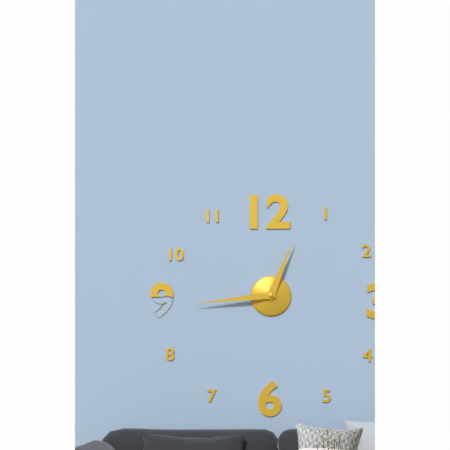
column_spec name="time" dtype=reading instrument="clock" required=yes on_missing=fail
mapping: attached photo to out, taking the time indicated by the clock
12:44
